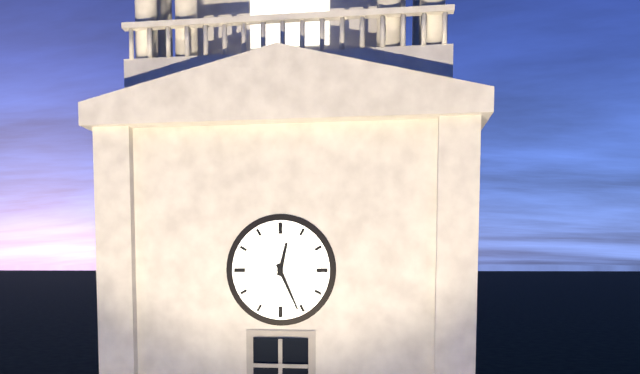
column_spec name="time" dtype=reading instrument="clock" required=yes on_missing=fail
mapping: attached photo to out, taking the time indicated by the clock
12:26
